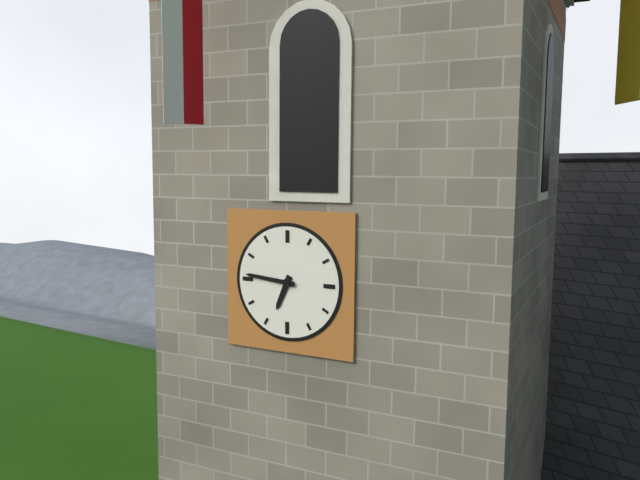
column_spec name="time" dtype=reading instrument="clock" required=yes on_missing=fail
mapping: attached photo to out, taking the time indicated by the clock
6:46
